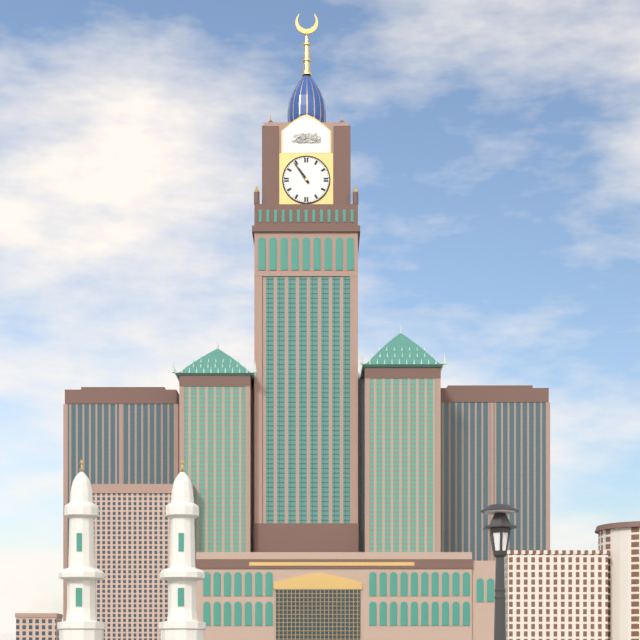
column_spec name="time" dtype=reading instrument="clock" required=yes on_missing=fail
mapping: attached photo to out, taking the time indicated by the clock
10:54
